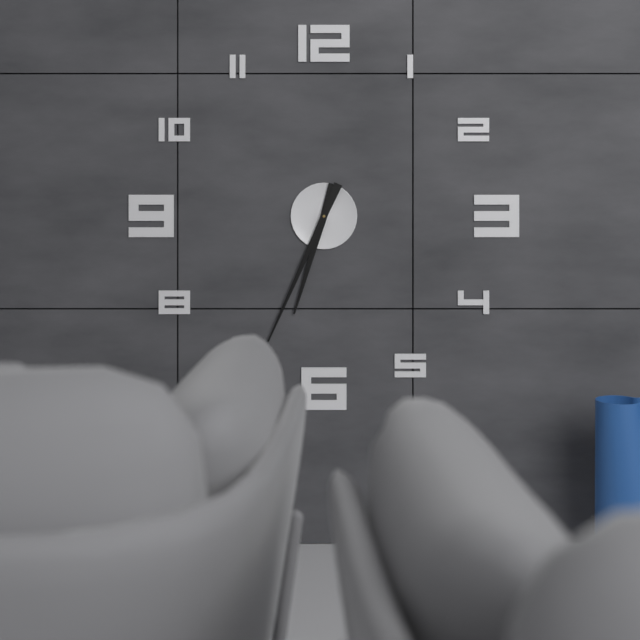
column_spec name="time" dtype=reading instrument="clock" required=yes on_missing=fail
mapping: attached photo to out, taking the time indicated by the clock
6:34
